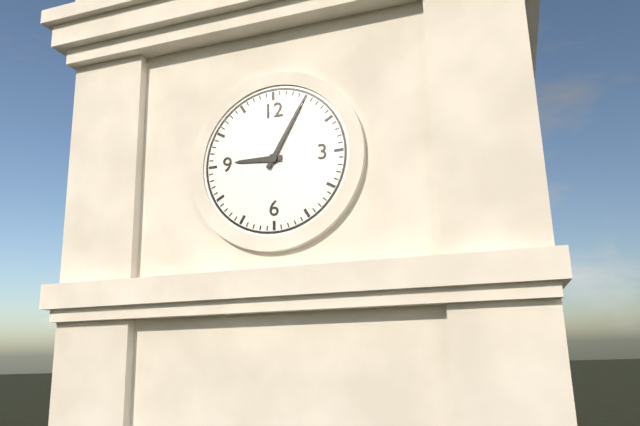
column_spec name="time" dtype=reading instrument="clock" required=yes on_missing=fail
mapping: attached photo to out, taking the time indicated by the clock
9:05
